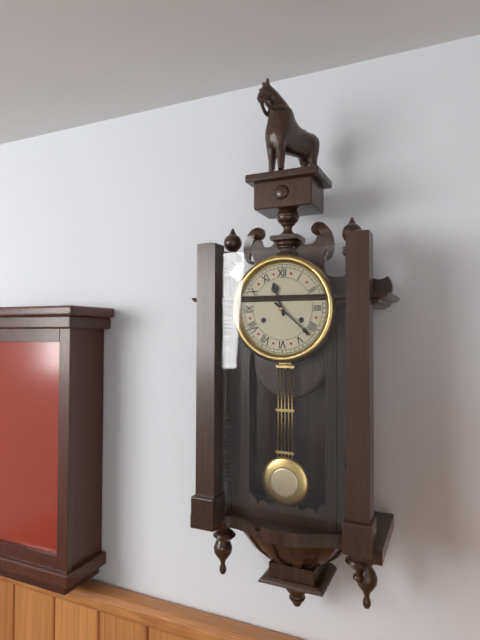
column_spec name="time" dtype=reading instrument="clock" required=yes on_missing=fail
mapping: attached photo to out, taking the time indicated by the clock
11:22
